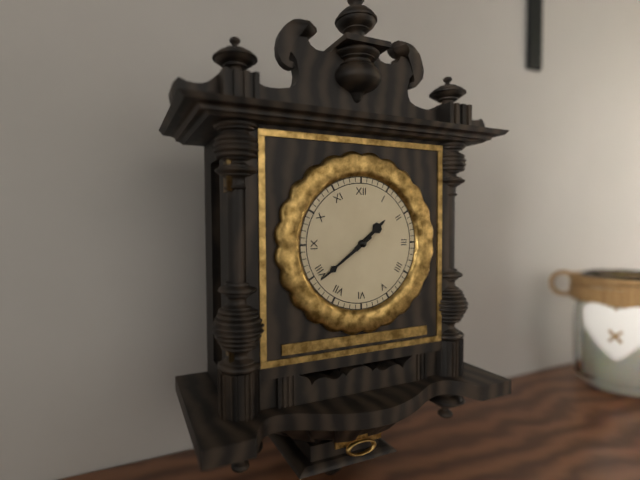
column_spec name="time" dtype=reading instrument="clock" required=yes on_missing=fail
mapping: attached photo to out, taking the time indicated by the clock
1:39
